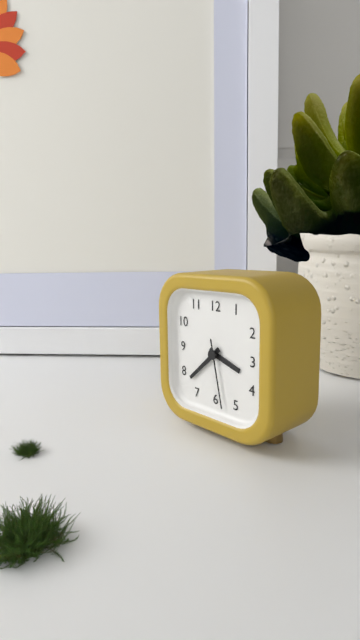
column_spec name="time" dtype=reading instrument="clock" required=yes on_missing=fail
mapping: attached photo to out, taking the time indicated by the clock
3:38:28
